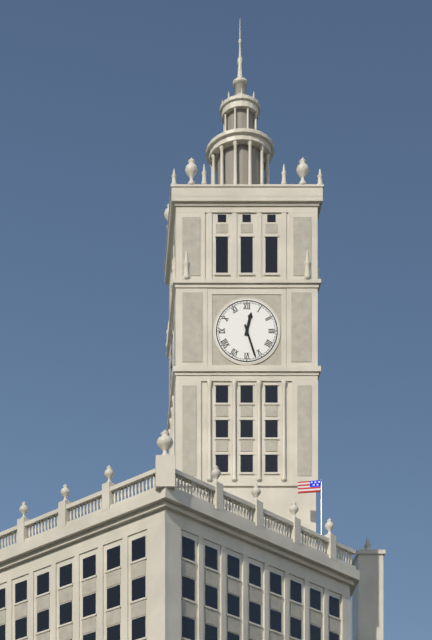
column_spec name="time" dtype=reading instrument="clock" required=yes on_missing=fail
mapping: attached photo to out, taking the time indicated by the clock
12:27
